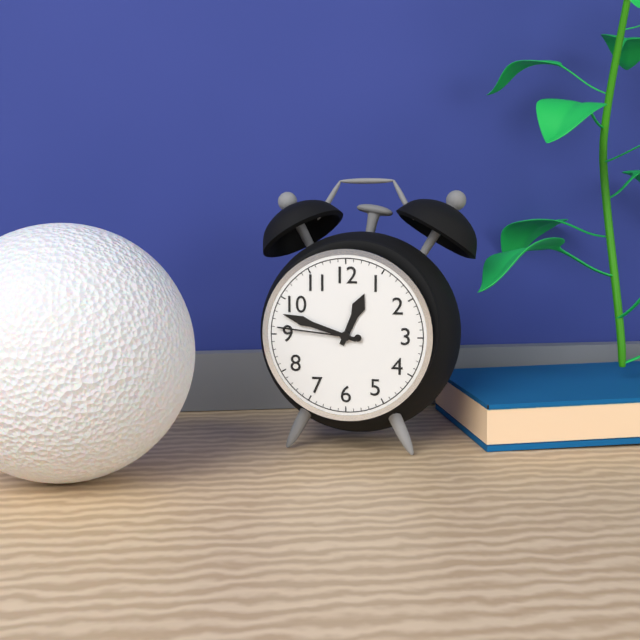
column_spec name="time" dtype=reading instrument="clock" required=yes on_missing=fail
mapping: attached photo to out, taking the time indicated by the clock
12:48:46
